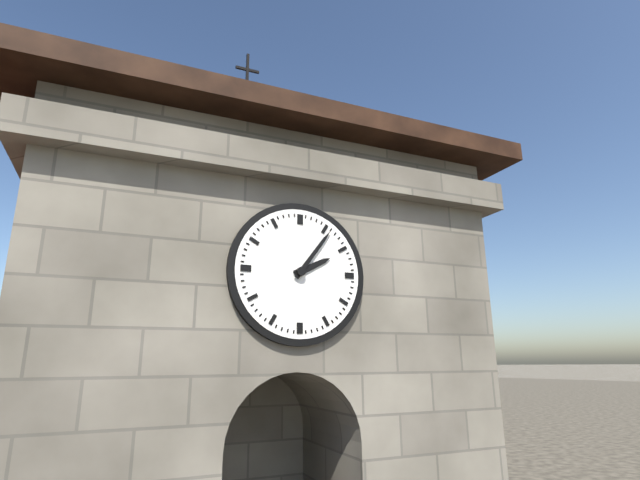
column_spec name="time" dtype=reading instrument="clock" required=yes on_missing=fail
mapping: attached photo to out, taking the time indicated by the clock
2:06
